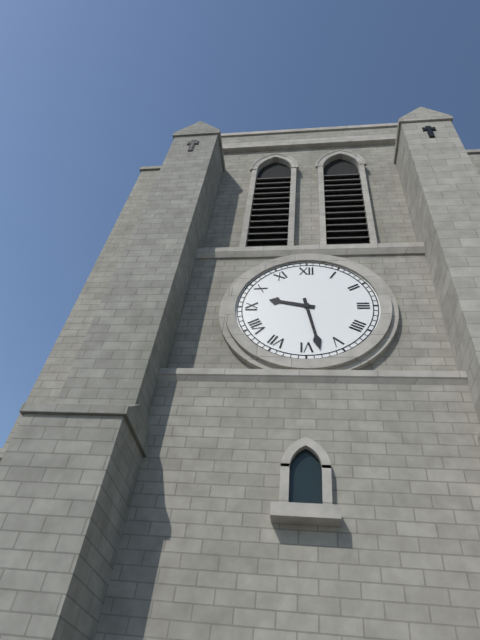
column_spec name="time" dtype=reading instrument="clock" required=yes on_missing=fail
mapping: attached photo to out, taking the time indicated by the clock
9:28
